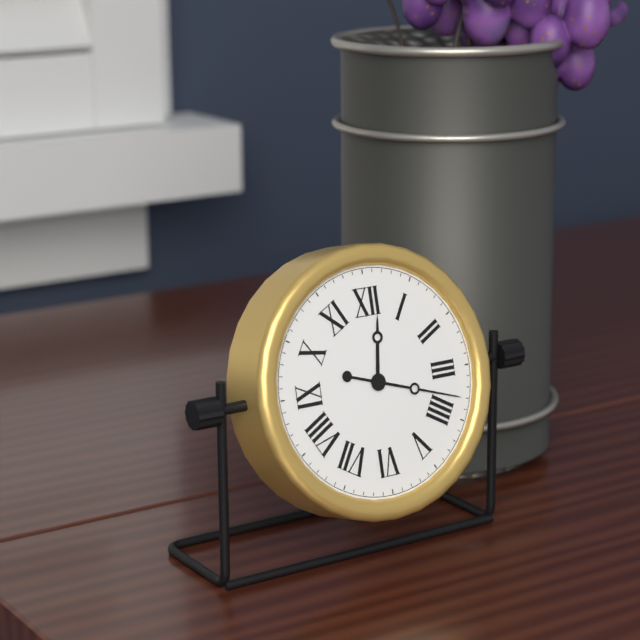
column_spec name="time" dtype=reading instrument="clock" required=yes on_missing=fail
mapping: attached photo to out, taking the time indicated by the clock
12:18
